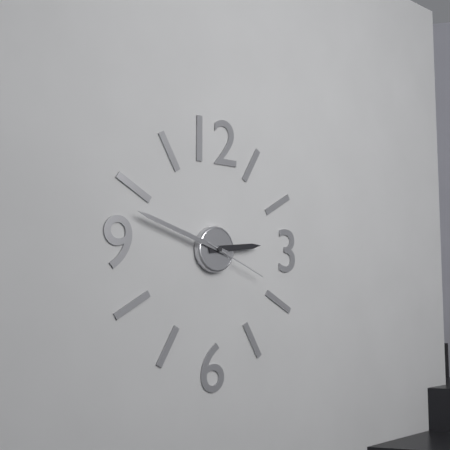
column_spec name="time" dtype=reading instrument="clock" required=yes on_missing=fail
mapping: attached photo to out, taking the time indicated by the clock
2:48:19
